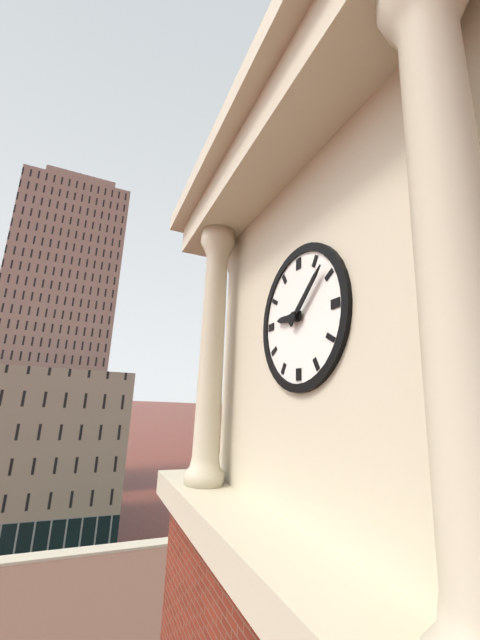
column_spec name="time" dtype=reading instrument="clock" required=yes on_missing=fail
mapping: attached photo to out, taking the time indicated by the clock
9:08
